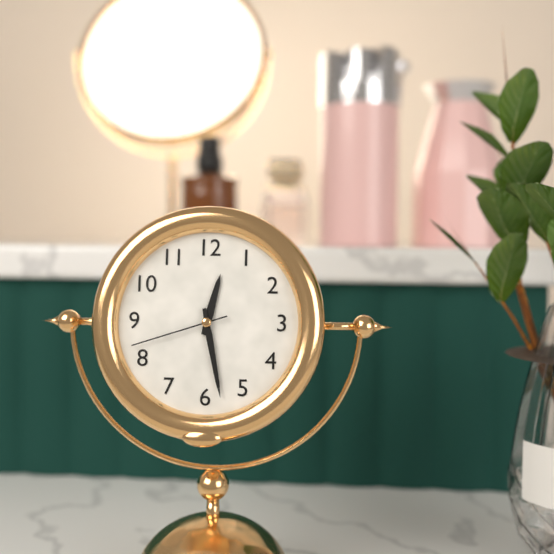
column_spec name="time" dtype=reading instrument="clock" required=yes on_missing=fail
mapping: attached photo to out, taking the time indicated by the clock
12:28:42
